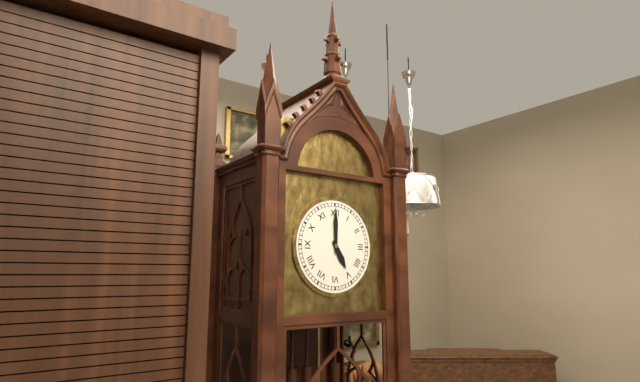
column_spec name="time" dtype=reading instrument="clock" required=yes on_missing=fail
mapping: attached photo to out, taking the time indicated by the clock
5:00
